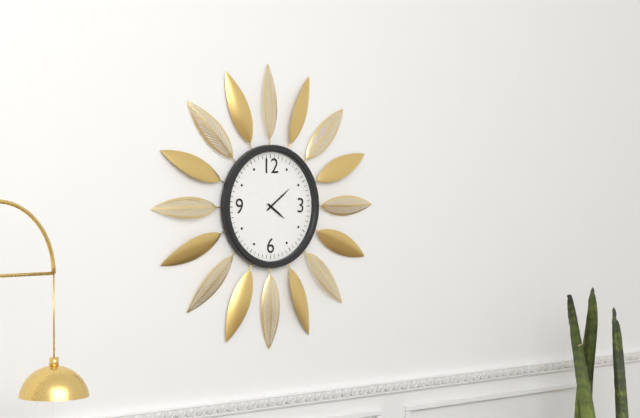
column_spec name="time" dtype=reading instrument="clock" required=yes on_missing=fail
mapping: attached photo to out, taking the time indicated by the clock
4:09
